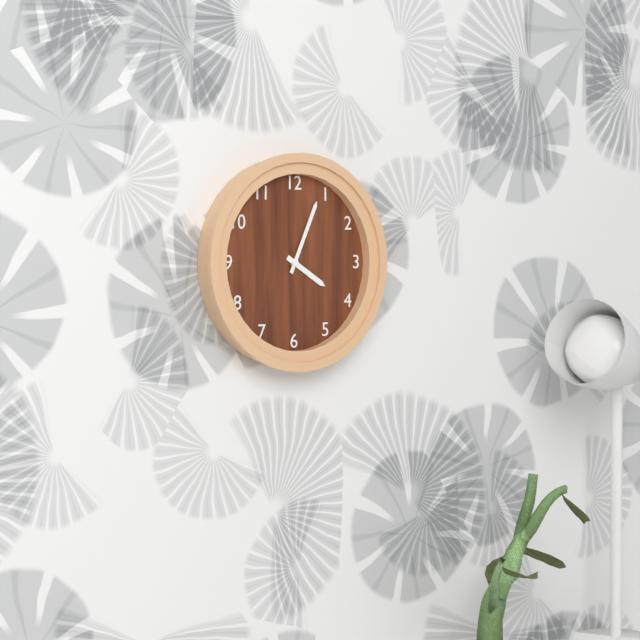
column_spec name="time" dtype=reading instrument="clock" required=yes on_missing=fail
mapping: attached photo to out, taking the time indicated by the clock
4:04
